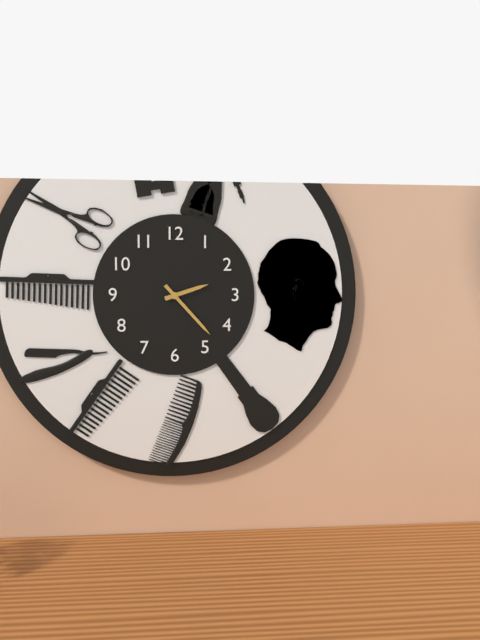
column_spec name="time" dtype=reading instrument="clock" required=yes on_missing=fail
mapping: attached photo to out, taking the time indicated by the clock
2:23
